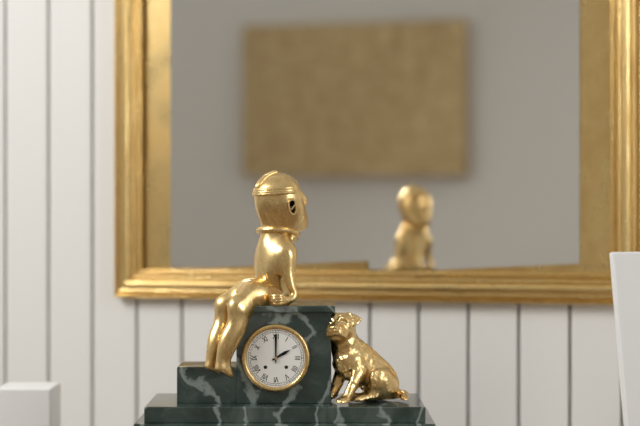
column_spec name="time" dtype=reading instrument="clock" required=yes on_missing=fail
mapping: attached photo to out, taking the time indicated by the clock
2:00
